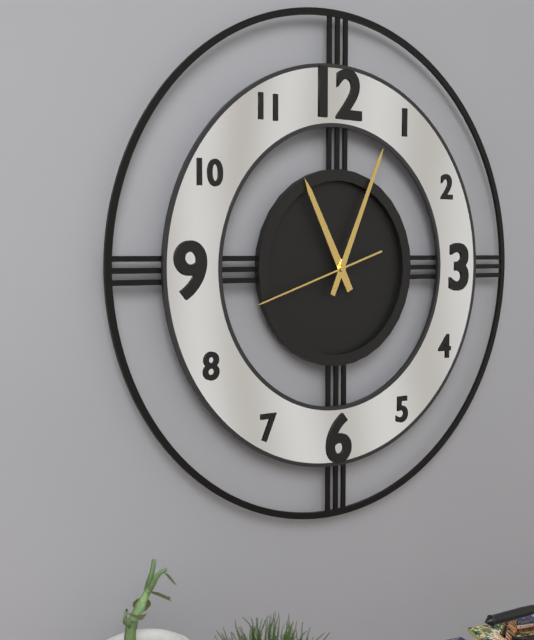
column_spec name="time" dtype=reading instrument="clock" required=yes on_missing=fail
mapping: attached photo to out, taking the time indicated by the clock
11:04:42
